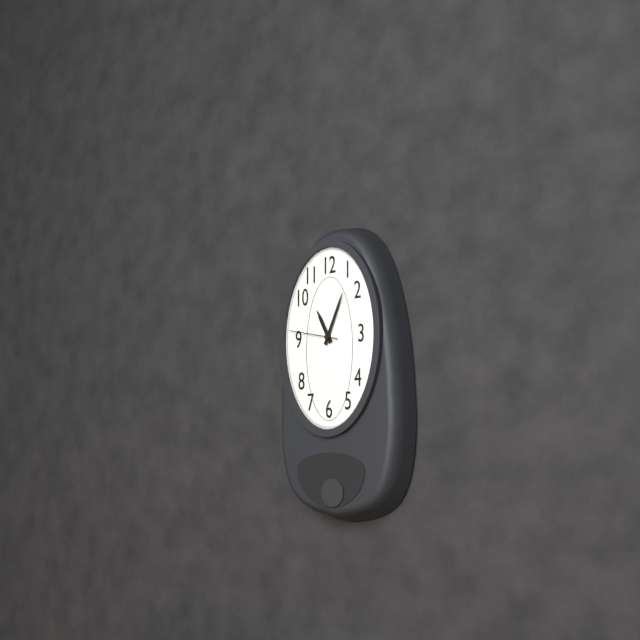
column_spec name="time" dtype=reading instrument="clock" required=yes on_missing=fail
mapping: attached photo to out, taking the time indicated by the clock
11:04
